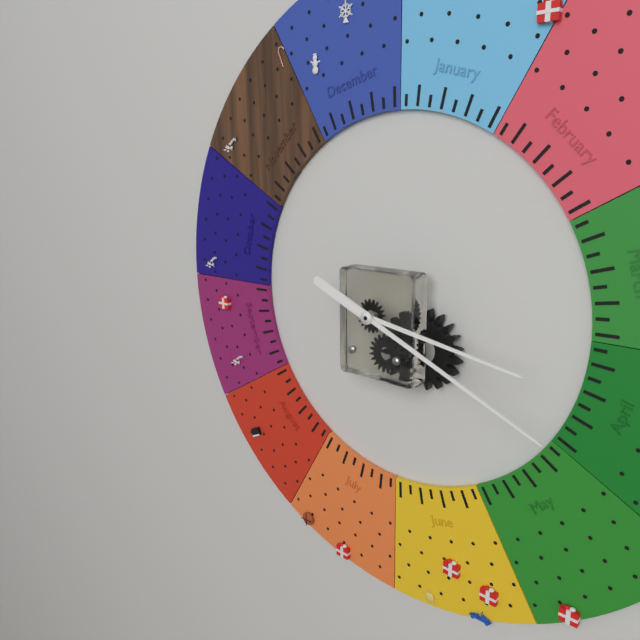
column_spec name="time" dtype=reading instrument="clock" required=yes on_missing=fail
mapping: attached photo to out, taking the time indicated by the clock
3:19
